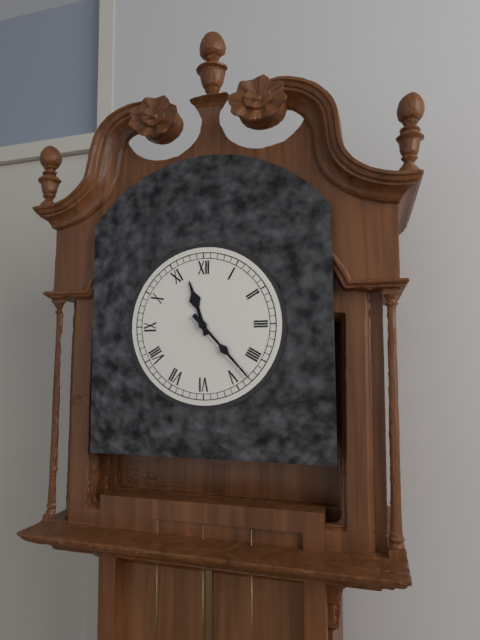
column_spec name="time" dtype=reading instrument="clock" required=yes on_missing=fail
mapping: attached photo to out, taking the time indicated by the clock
11:23
